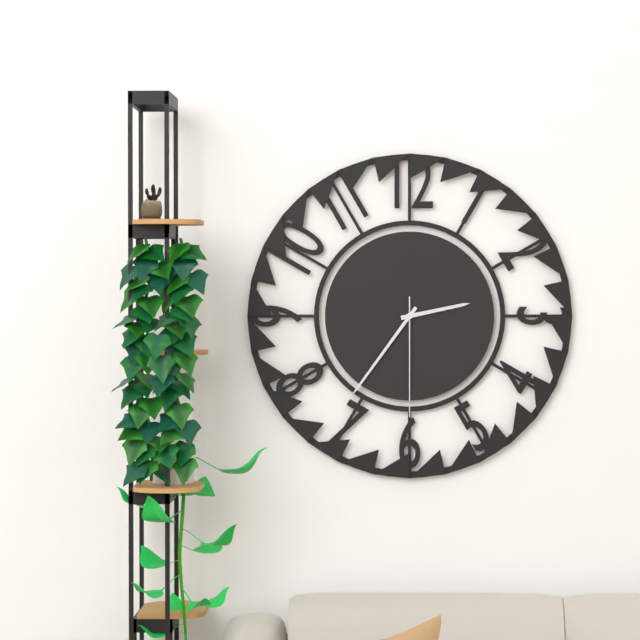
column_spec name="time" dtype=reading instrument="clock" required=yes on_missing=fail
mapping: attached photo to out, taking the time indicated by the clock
2:36:30
